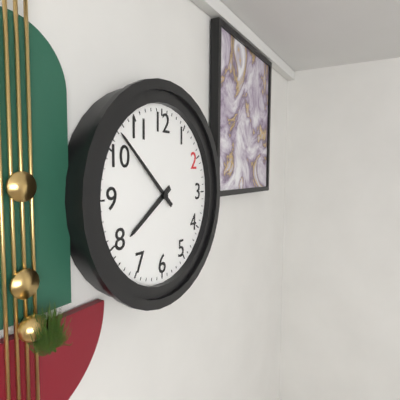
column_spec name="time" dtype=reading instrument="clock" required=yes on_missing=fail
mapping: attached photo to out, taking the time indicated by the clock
7:52
